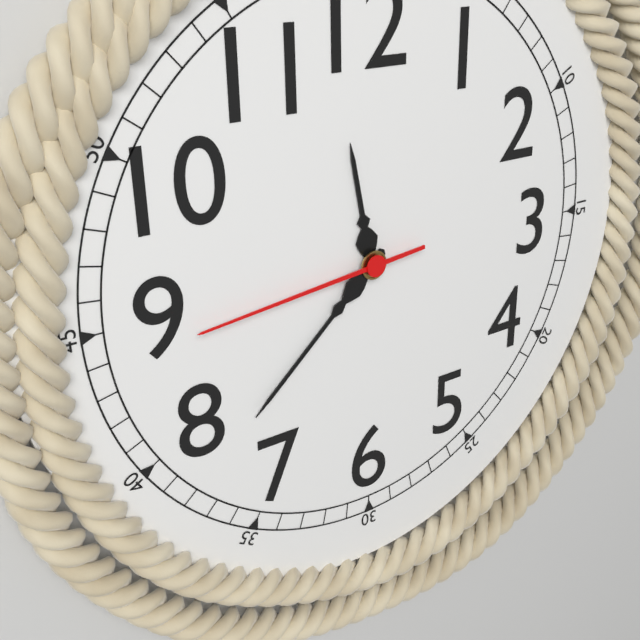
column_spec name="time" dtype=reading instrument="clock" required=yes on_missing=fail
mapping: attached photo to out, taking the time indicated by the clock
11:38:44
